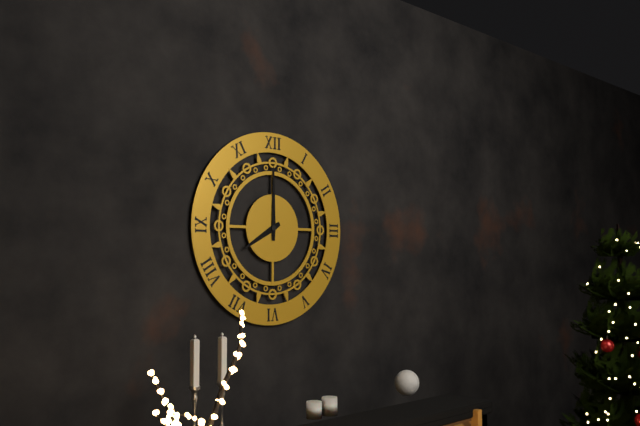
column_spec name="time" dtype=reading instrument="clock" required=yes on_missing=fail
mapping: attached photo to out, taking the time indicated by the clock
8:00
